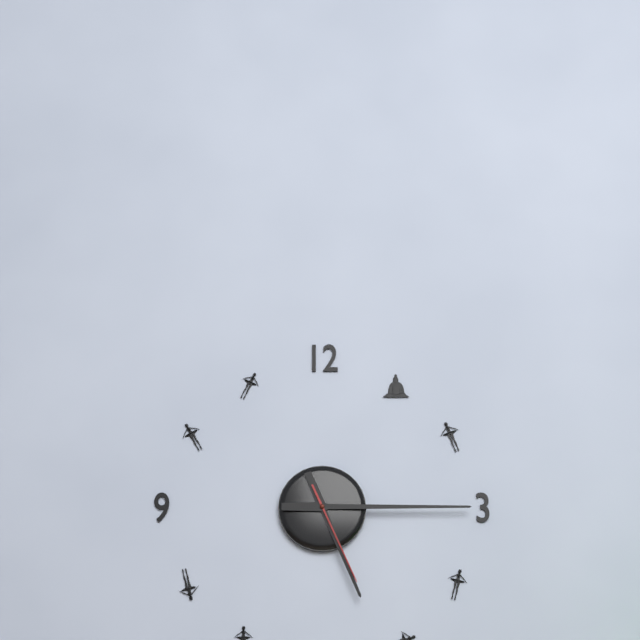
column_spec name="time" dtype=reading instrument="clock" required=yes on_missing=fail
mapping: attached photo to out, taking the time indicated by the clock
5:15:26
